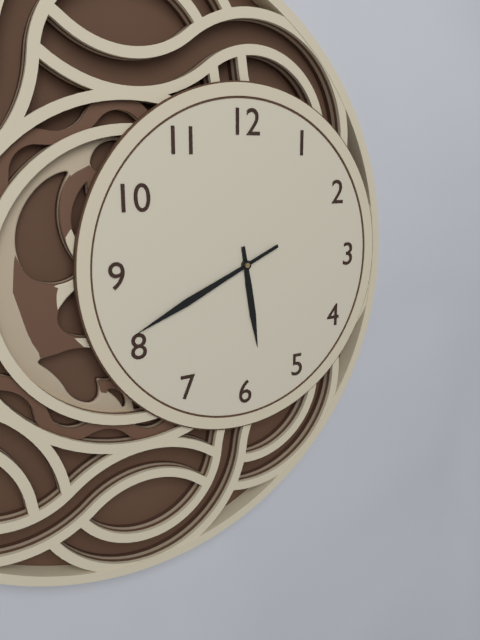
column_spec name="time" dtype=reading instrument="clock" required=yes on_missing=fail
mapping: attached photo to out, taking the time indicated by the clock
5:41
